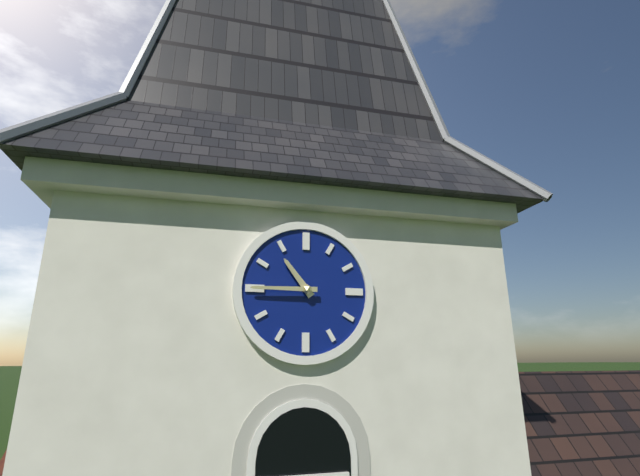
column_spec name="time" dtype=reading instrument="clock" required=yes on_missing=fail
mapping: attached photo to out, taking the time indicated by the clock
10:45
